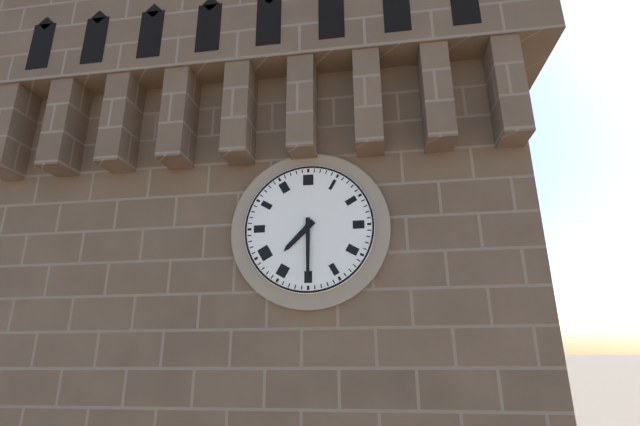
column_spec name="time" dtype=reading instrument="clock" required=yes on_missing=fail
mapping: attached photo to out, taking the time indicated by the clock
7:30
